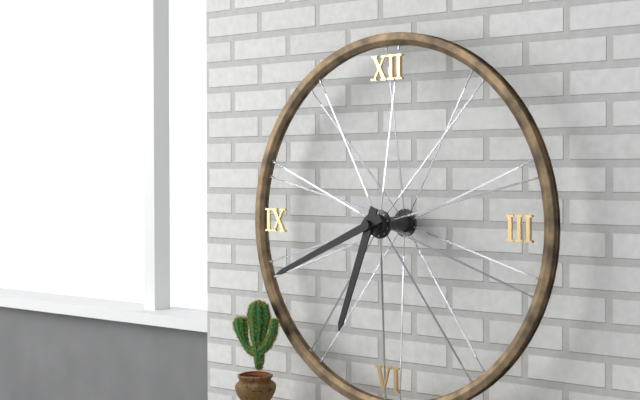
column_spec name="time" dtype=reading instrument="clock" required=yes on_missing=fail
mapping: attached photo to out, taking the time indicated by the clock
6:41
